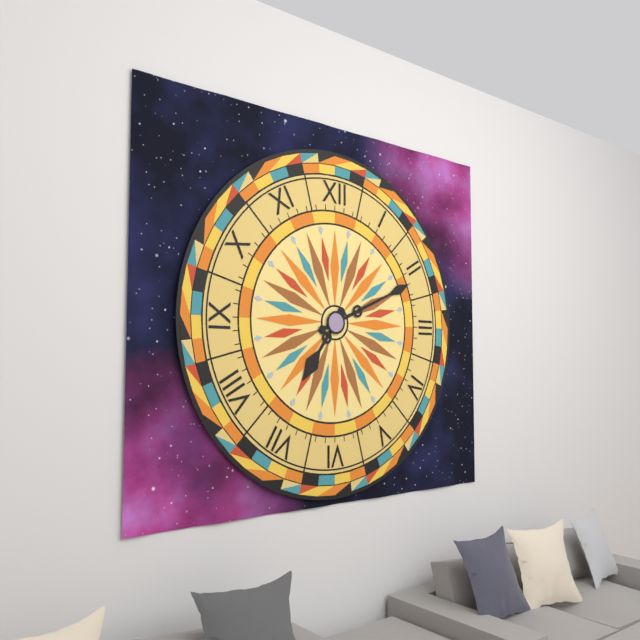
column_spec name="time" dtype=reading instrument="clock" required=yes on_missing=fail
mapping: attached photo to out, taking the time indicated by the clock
7:11
